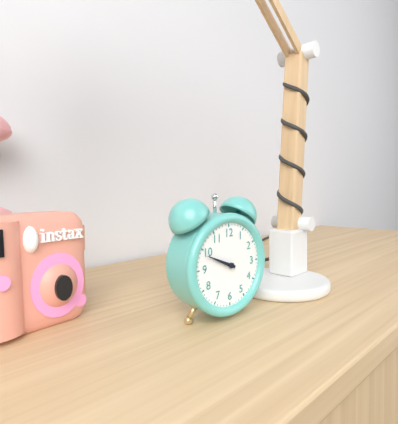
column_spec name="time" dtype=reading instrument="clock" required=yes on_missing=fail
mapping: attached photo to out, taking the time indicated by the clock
9:49
